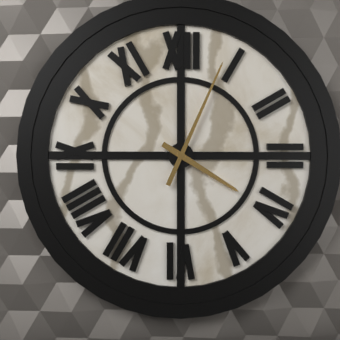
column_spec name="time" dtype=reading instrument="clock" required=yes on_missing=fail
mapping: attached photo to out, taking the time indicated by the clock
4:04
